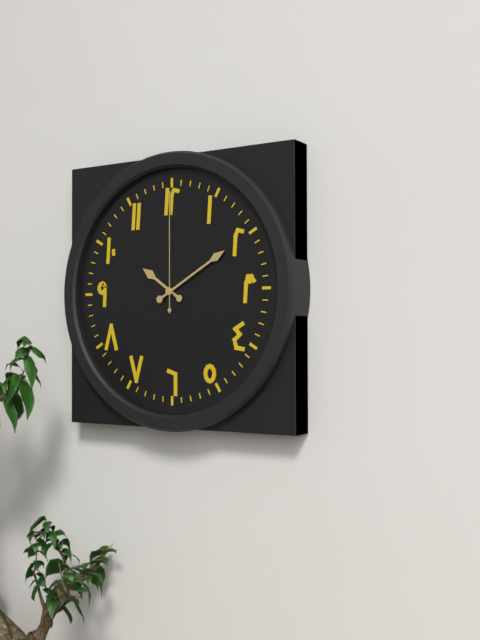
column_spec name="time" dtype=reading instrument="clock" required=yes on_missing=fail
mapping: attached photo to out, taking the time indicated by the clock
10:10:00
